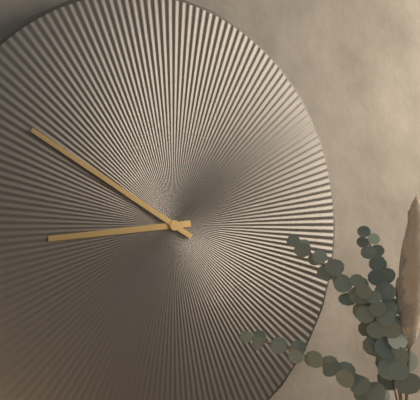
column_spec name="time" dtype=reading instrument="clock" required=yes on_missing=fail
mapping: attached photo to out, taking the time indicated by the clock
8:50
